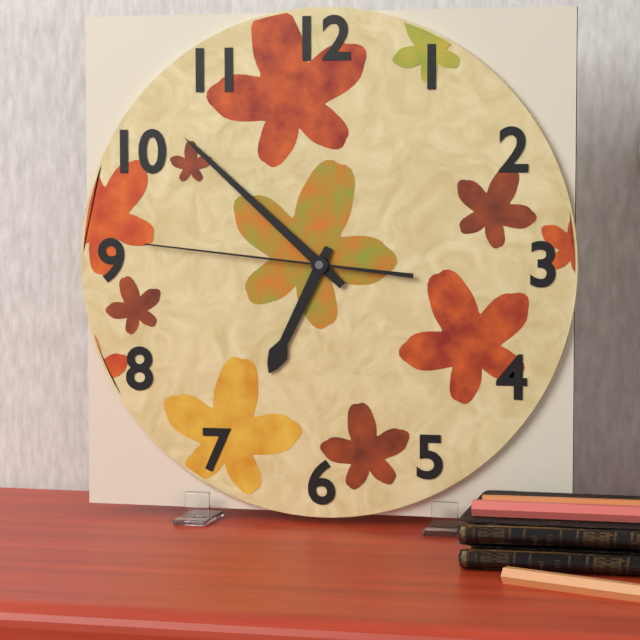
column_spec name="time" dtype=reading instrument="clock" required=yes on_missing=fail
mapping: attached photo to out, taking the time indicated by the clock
6:52:46
